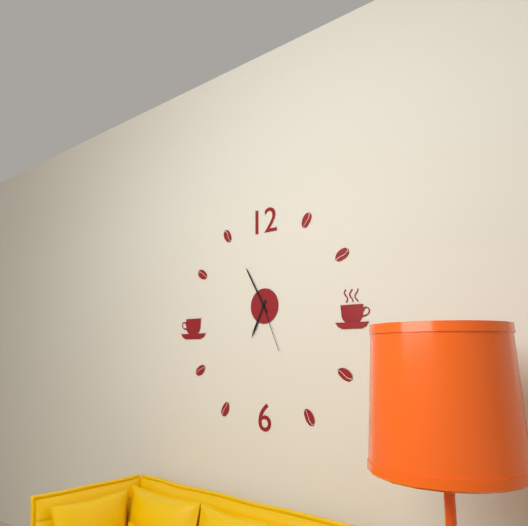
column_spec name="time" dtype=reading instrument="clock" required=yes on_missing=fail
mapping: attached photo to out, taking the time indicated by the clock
6:55:26
